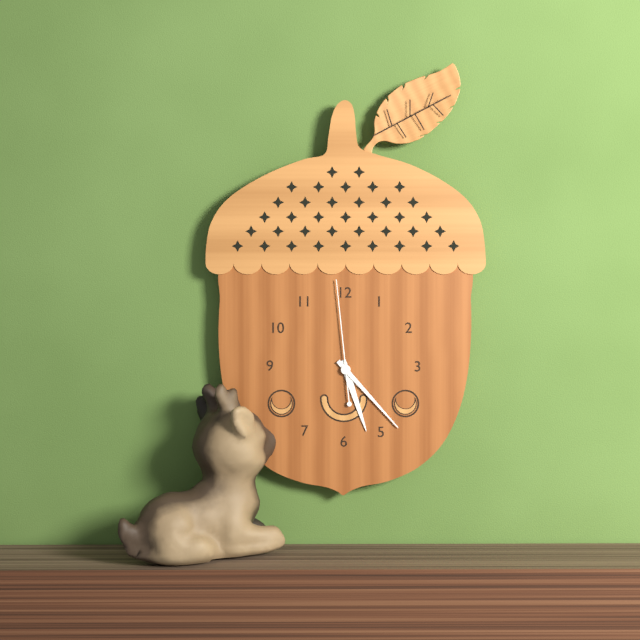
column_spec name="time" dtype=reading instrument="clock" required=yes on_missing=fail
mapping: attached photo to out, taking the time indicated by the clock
5:23:59
